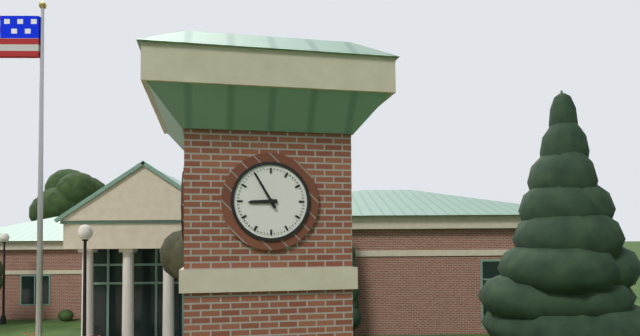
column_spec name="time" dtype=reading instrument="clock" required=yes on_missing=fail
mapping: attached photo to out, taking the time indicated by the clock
8:55
